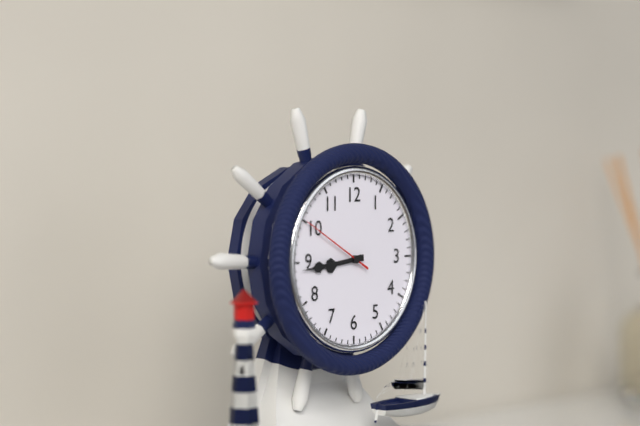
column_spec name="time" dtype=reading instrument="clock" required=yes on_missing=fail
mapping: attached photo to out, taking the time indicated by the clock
8:44:50
